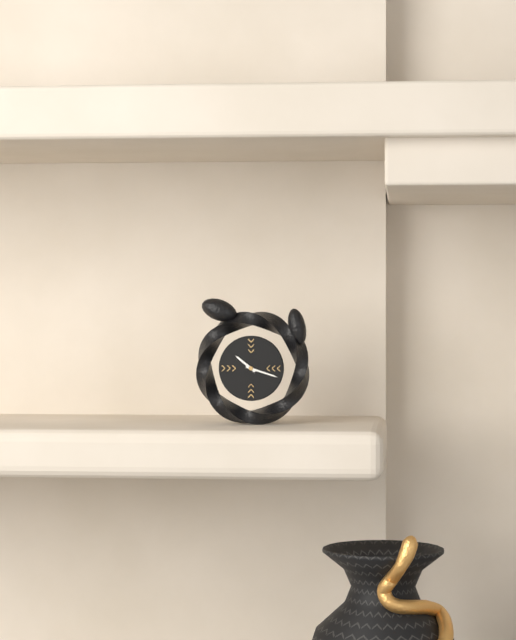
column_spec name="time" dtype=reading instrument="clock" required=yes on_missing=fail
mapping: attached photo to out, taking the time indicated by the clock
10:18
